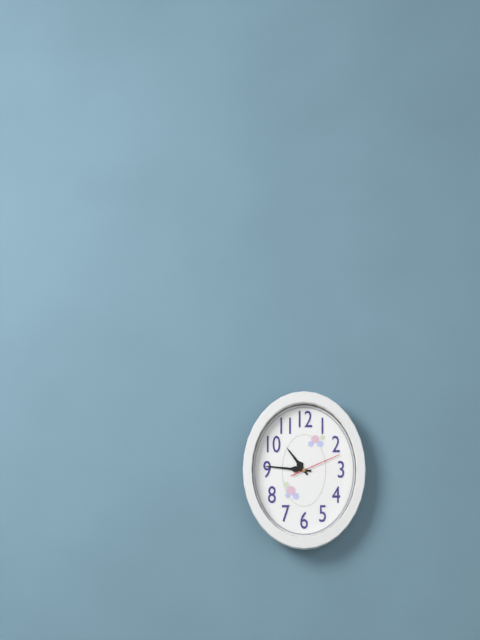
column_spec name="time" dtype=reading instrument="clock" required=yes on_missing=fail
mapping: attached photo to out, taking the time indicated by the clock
10:46
